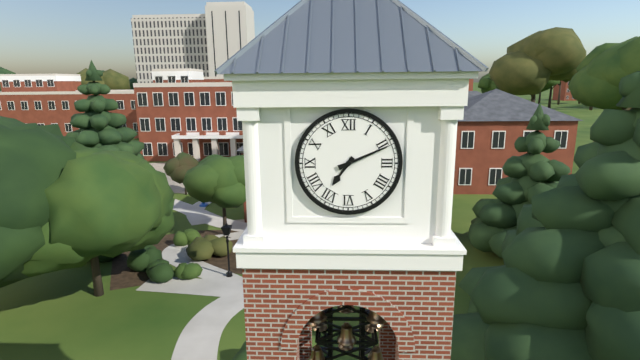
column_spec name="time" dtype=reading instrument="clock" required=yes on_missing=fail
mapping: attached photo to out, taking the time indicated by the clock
7:11
